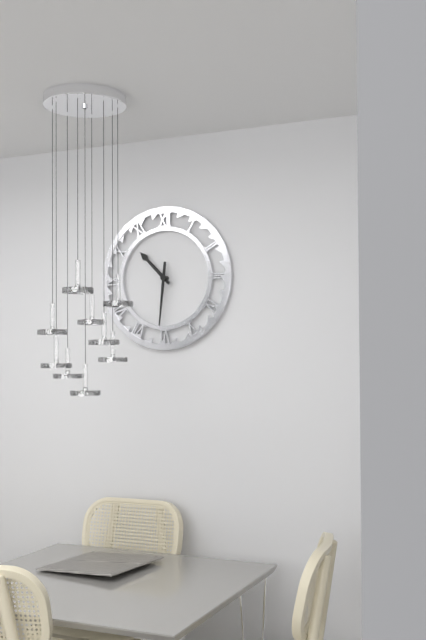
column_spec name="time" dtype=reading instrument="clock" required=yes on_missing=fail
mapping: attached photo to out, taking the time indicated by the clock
10:31
